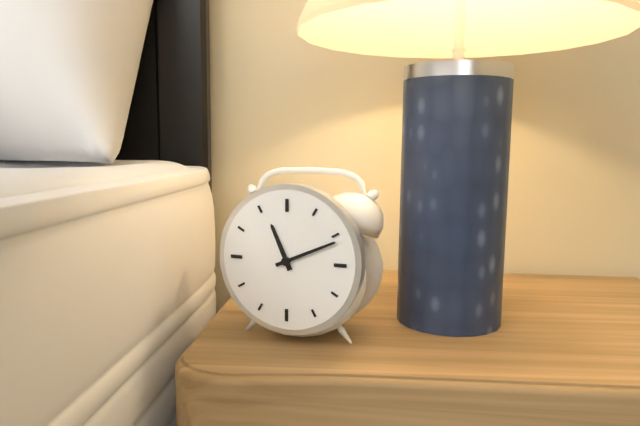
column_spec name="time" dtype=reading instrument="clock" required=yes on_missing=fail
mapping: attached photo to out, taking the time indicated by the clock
11:11
